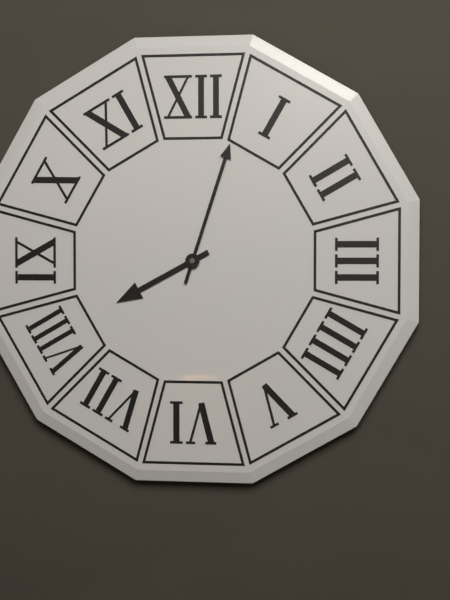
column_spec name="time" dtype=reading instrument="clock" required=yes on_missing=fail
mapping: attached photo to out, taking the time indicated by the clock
8:03
